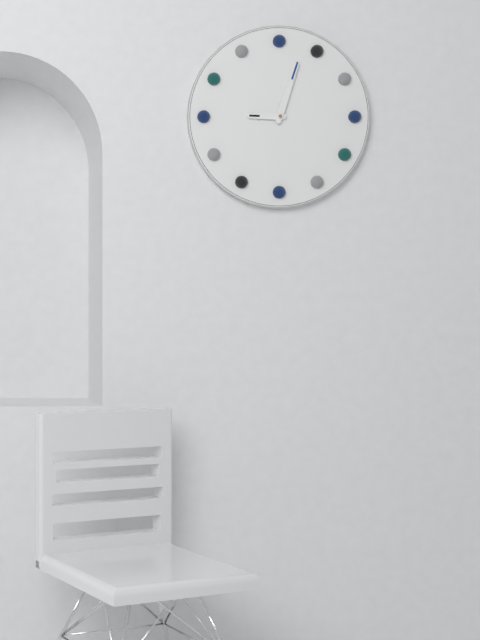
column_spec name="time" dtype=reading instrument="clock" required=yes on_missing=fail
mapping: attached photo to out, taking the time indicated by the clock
9:03
